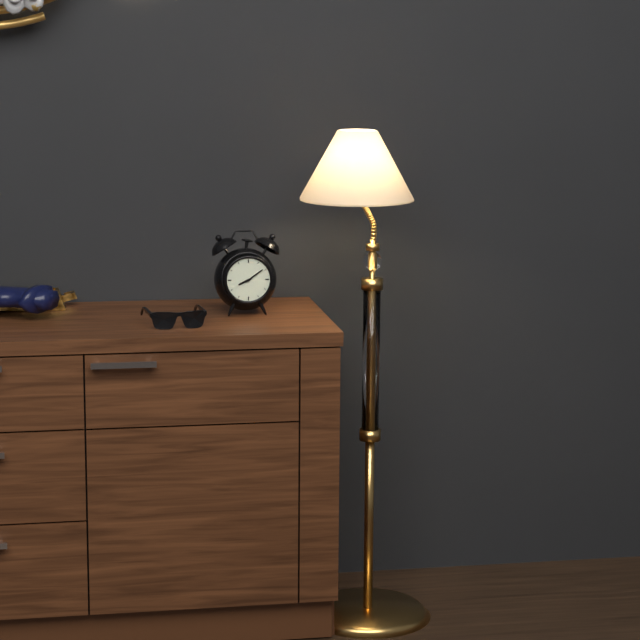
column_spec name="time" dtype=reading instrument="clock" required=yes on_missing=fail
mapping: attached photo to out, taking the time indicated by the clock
8:09
